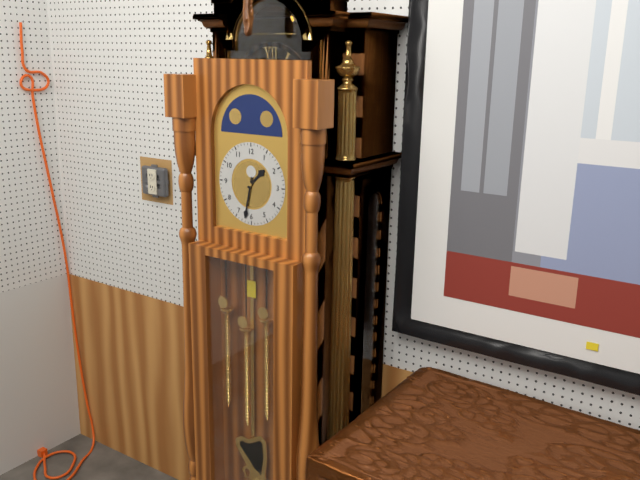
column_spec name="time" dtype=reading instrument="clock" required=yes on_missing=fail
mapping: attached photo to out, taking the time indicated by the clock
1:32
